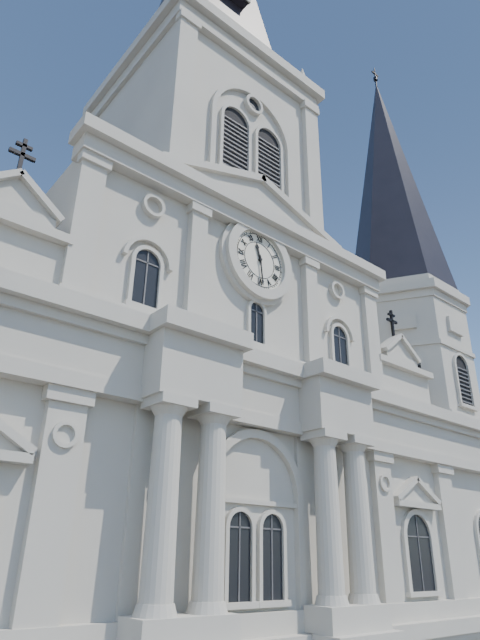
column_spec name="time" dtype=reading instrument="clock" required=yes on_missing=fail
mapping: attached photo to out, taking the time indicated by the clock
11:29
